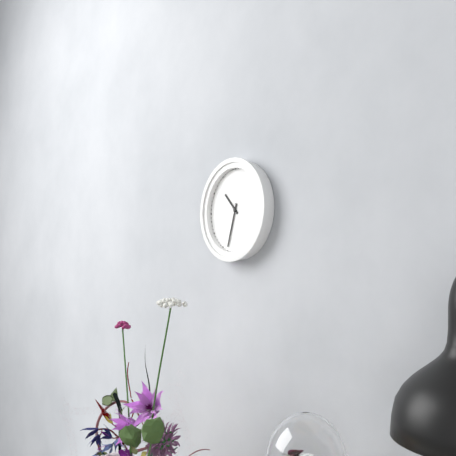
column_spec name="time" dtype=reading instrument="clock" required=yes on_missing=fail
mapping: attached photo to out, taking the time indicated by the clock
10:33
